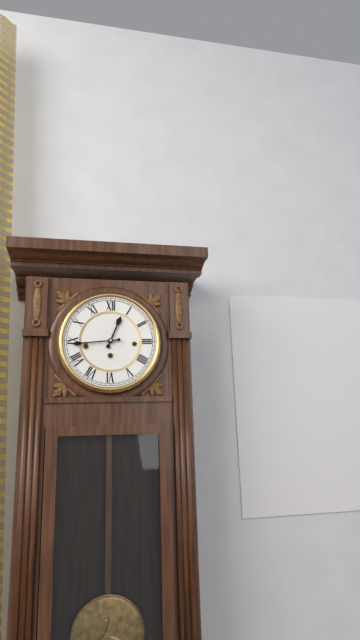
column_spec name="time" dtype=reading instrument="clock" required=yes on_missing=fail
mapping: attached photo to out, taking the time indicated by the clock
12:44
